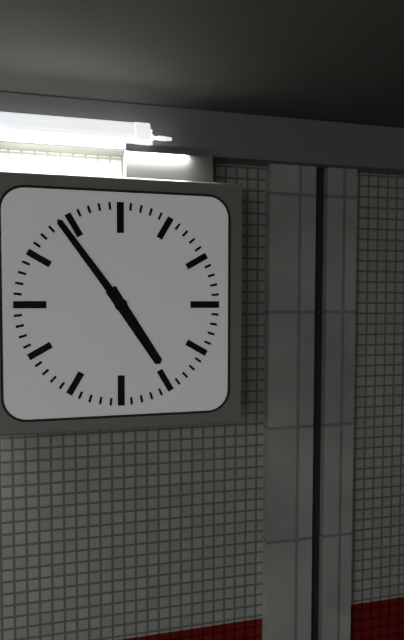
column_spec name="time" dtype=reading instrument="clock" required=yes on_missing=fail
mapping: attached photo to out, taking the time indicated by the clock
4:54
